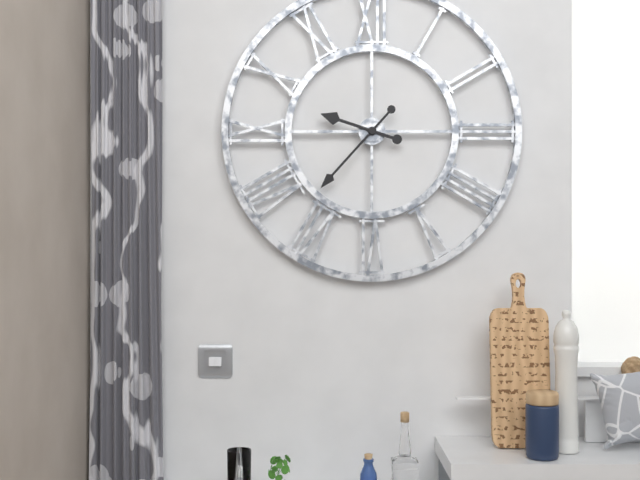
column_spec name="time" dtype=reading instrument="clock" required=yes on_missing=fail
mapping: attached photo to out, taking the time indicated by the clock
9:37
